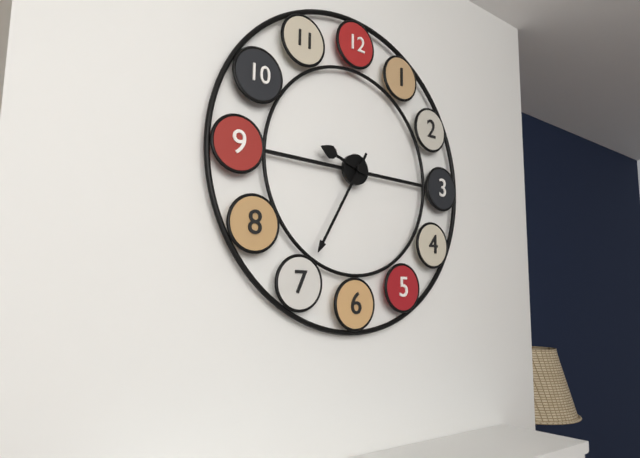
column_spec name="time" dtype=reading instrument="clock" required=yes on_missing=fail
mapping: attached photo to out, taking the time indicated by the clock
9:35
